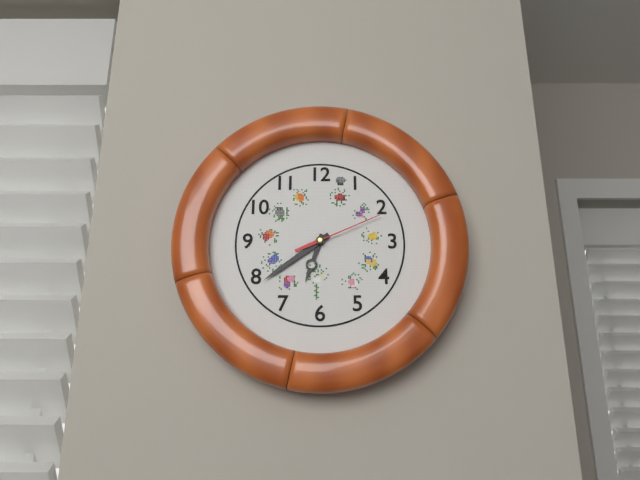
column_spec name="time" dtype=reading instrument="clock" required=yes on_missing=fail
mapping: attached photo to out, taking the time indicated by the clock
6:39:11
